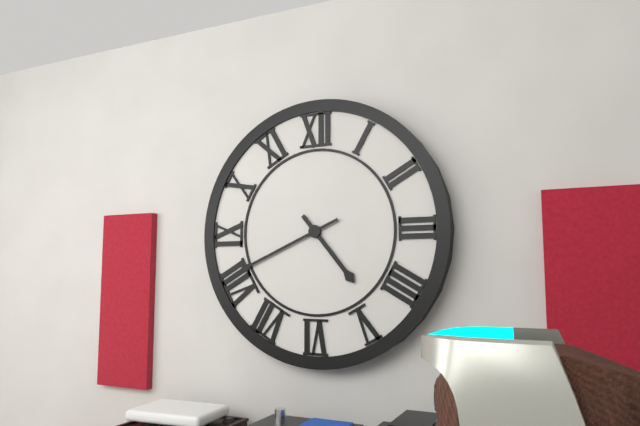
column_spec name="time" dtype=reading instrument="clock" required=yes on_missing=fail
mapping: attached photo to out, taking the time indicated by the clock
4:41
